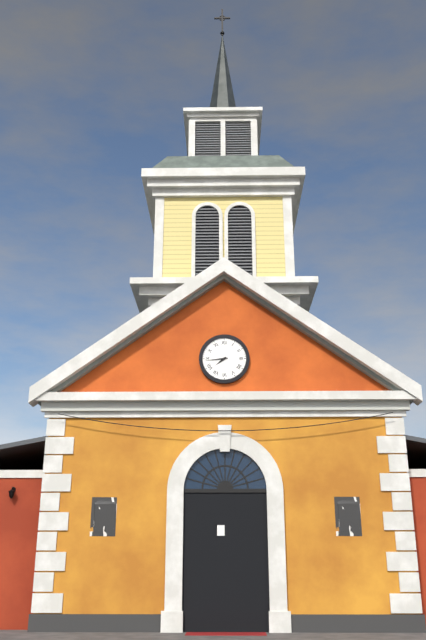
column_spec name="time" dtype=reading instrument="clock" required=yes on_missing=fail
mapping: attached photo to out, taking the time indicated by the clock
7:44
